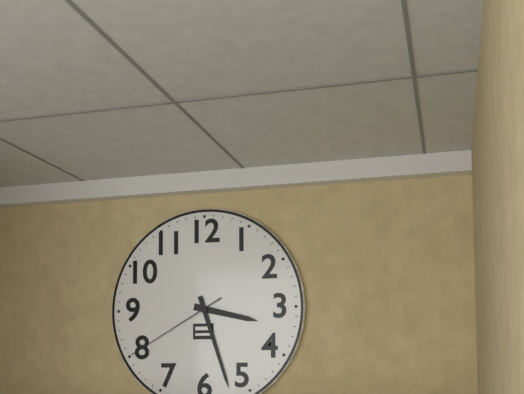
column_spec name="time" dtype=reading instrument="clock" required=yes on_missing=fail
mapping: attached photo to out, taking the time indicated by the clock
3:27:40
